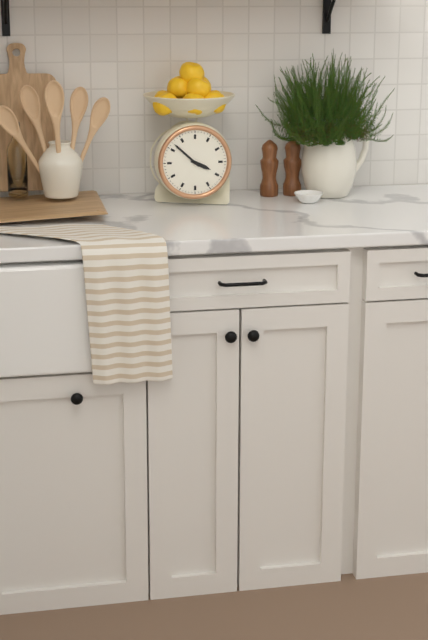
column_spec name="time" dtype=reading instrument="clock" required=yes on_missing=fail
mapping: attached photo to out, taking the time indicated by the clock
3:52
